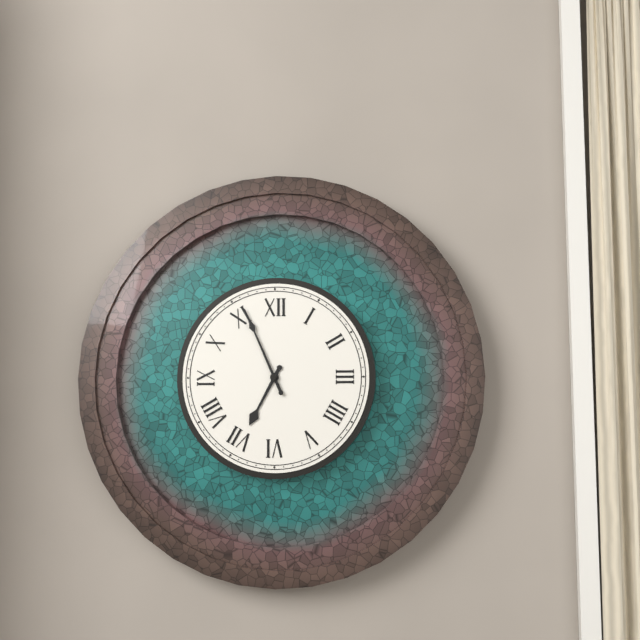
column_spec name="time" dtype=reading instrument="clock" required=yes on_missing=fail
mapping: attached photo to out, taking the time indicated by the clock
6:56
